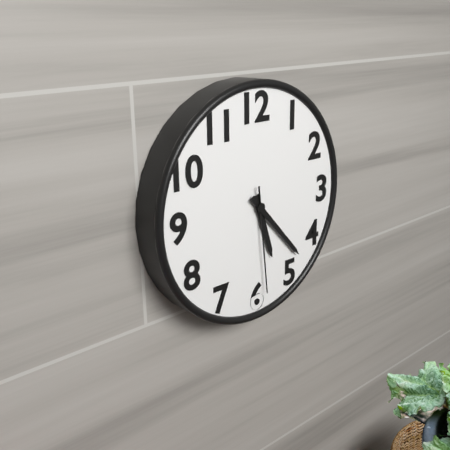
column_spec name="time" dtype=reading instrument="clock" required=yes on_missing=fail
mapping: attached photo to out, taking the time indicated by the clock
5:23:29
